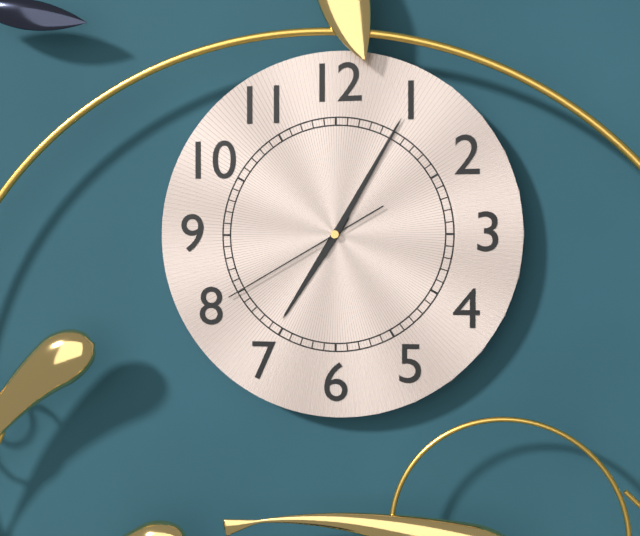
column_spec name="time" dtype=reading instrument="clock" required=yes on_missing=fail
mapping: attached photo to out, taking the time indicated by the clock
7:05:40
